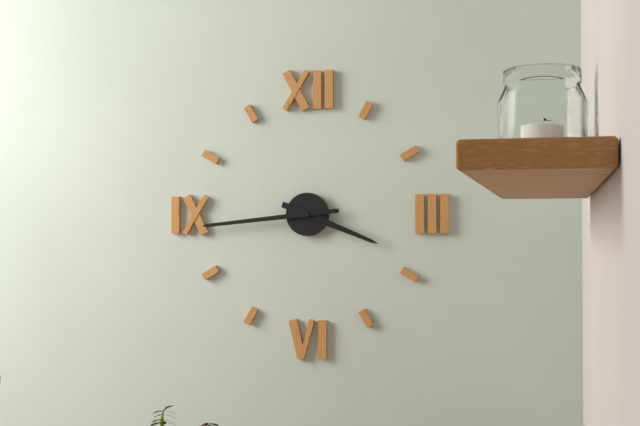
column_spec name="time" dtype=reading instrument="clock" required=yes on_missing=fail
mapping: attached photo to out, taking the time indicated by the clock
3:44
